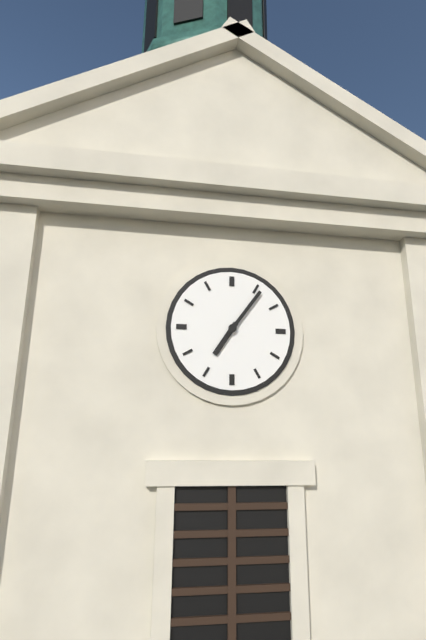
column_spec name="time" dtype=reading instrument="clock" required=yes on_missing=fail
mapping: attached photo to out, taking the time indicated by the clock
7:06
